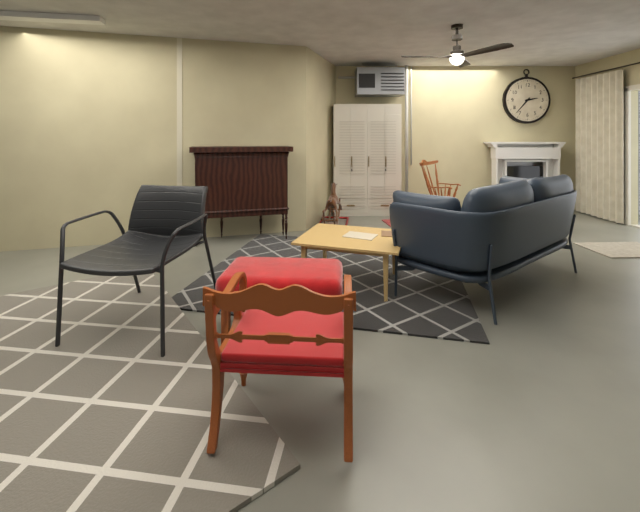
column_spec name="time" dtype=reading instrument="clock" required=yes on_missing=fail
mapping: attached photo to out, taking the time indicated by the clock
2:37
